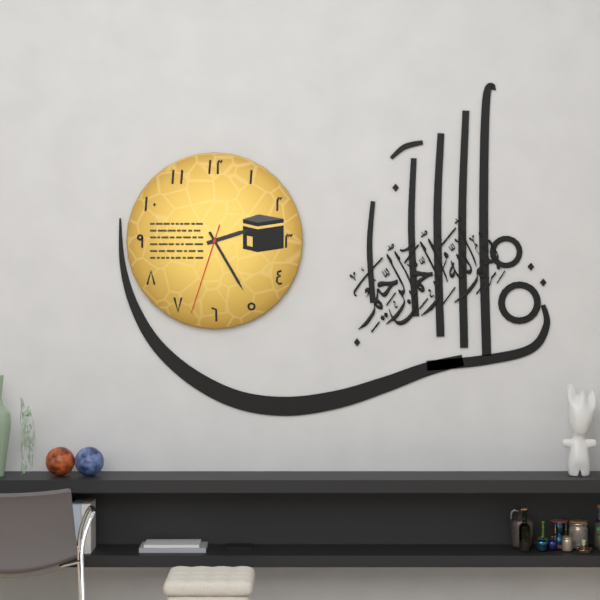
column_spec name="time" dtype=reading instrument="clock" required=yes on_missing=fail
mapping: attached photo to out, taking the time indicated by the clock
2:25:33
